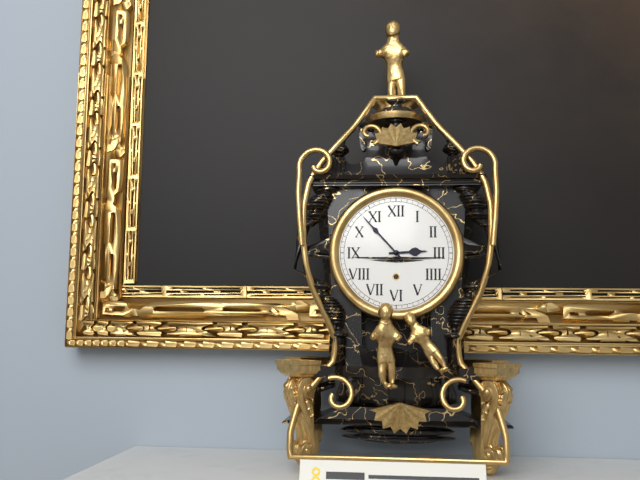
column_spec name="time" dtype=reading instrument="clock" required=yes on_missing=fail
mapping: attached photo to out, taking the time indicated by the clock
2:53
